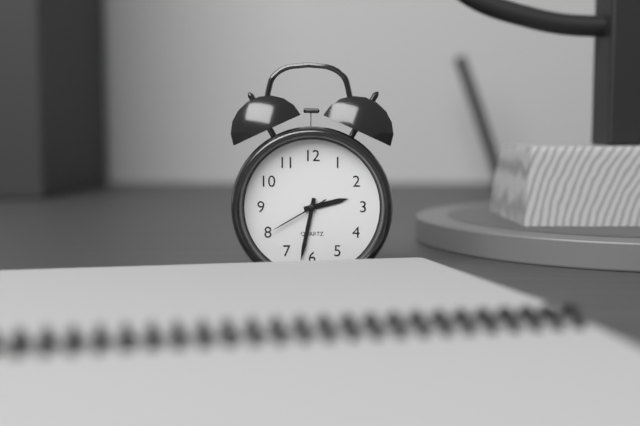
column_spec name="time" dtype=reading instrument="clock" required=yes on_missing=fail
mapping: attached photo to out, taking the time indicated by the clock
2:32:40
